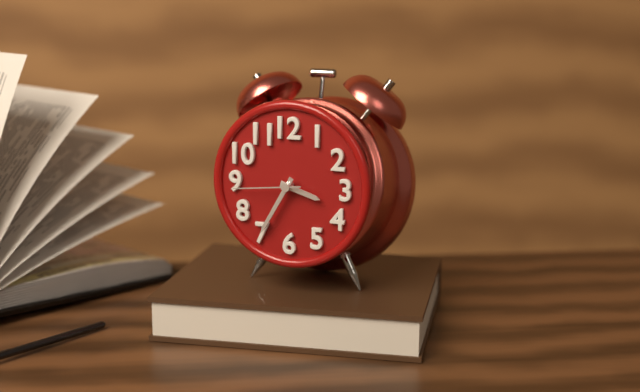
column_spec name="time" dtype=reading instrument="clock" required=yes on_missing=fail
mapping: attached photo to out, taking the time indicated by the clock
3:35:44
